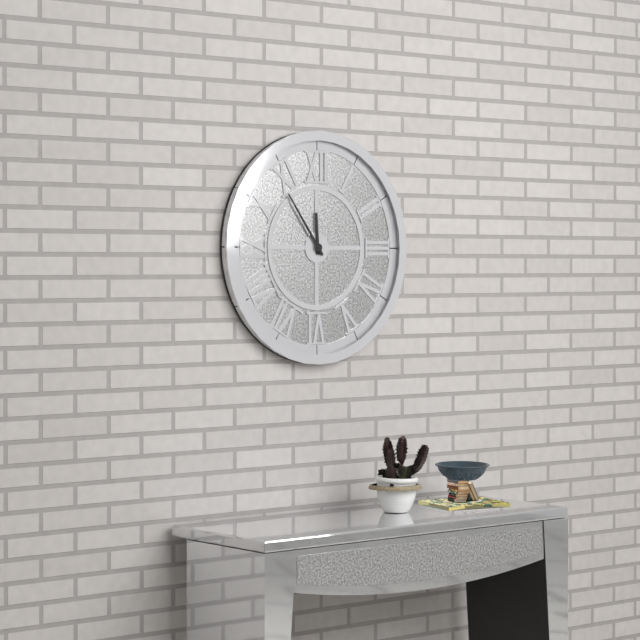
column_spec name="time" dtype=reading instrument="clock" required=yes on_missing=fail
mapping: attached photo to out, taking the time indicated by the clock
11:54
